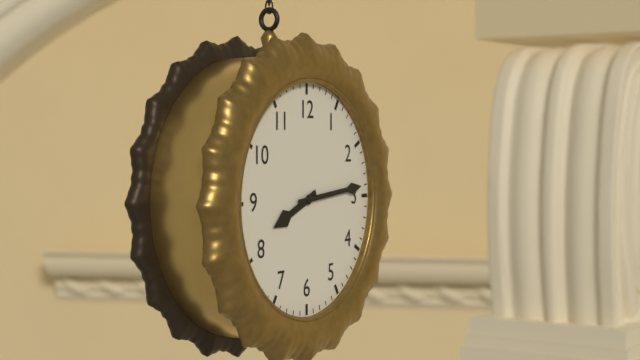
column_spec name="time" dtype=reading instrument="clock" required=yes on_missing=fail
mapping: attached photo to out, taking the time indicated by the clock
8:14
